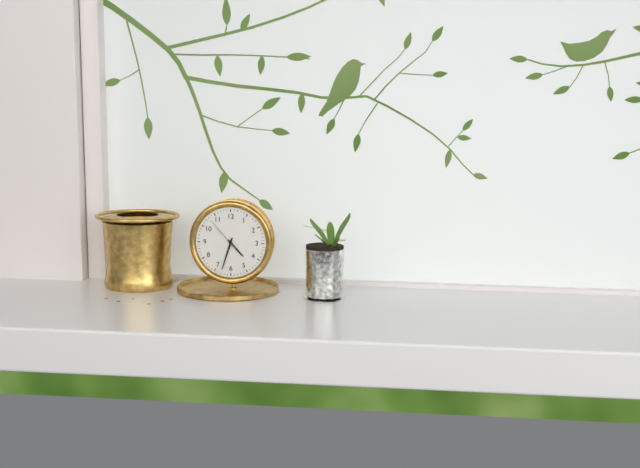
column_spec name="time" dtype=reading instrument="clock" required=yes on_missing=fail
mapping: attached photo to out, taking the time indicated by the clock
4:33
